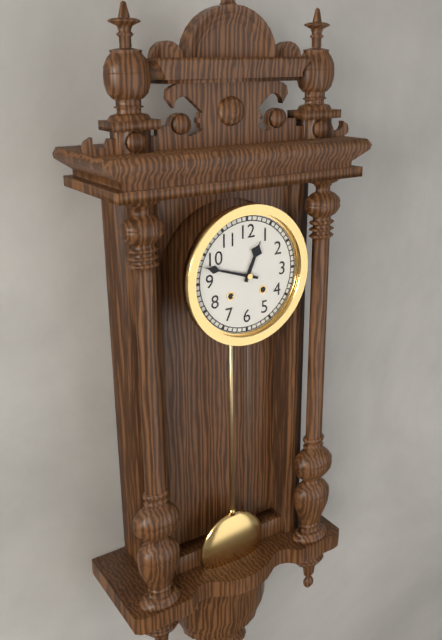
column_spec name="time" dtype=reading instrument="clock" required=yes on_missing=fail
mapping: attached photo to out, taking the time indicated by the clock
12:48
